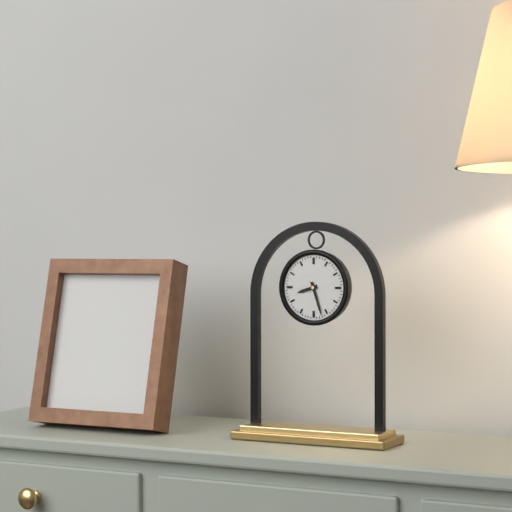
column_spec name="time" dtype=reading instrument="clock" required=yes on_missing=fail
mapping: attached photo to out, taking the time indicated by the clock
8:27
